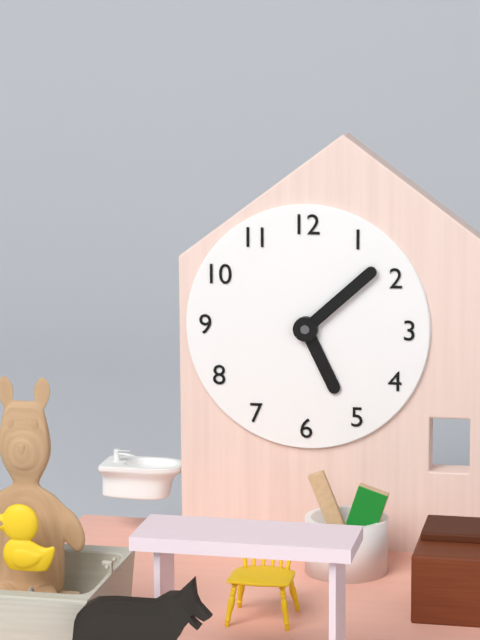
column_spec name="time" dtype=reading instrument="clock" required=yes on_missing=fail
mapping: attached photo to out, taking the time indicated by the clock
5:08
